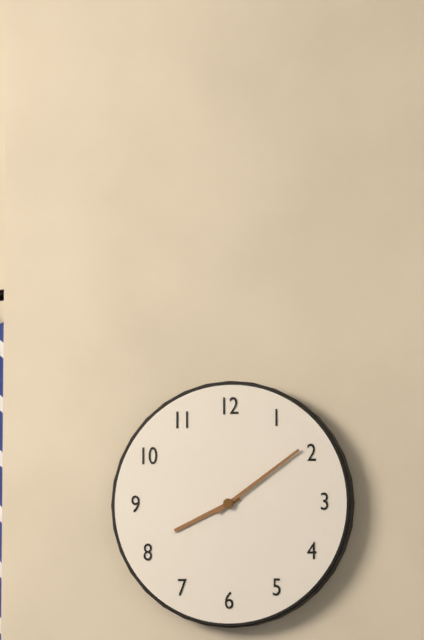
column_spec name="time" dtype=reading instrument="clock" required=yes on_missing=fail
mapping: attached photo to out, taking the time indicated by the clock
8:09
